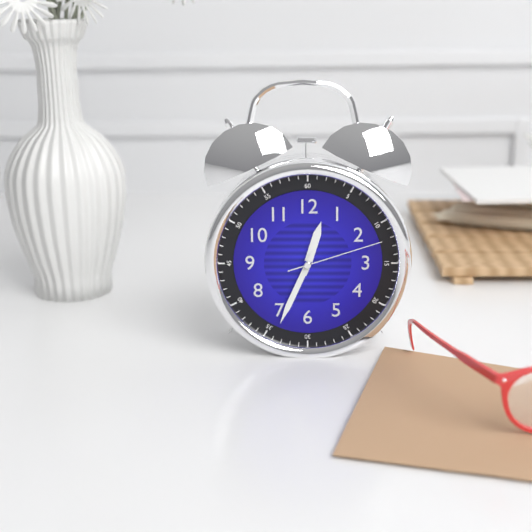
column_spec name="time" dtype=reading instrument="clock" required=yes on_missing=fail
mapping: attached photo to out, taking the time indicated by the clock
12:34:12
